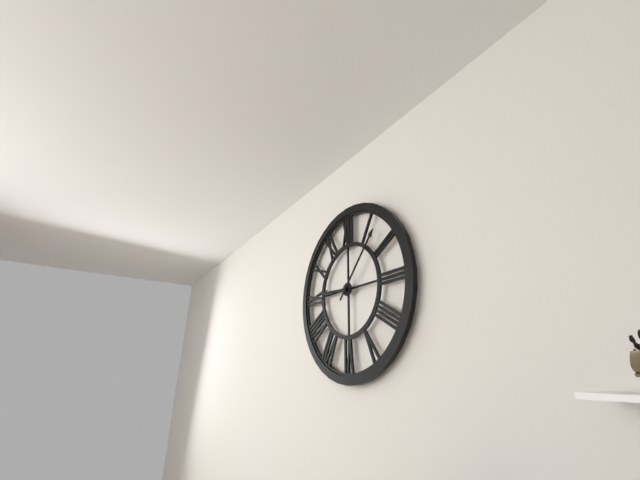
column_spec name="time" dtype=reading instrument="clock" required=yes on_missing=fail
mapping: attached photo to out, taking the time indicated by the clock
9:07
